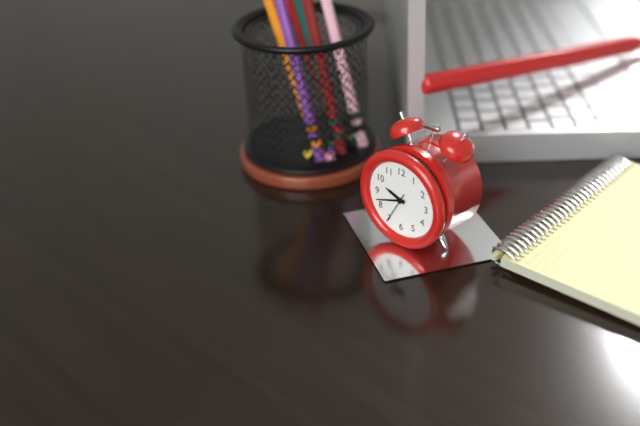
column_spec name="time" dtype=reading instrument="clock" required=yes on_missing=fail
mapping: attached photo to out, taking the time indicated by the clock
9:42
